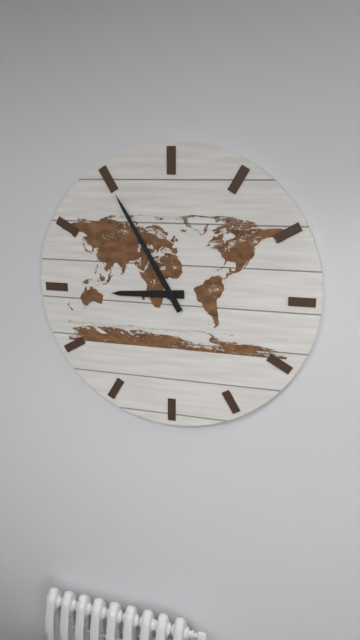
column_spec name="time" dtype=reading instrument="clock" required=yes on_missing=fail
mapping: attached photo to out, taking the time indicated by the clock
8:55
